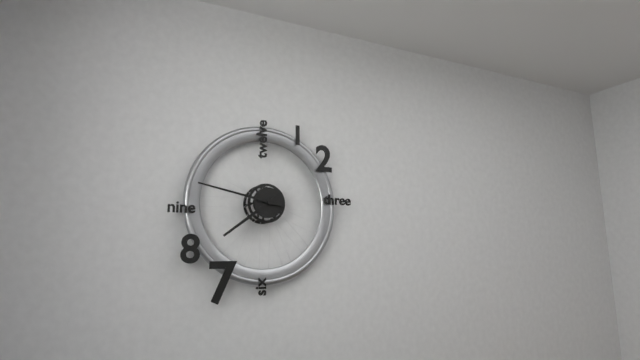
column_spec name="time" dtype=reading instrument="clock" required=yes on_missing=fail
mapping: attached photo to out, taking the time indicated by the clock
7:47
